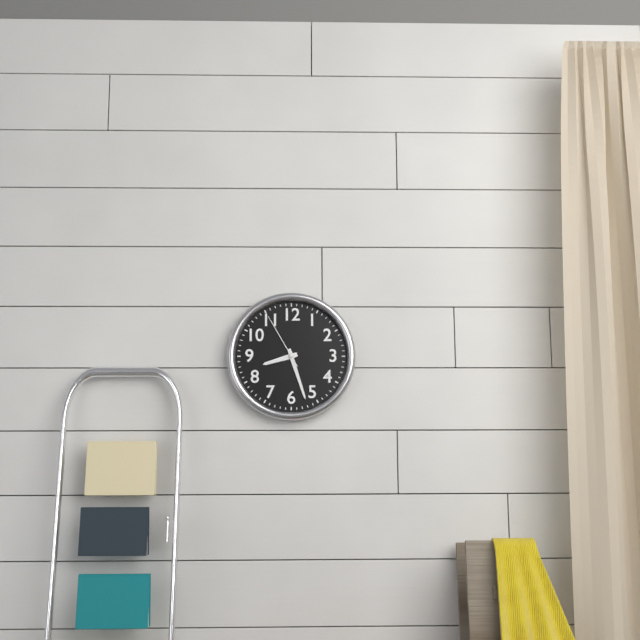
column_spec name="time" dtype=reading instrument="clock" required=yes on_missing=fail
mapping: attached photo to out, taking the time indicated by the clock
8:27:55
